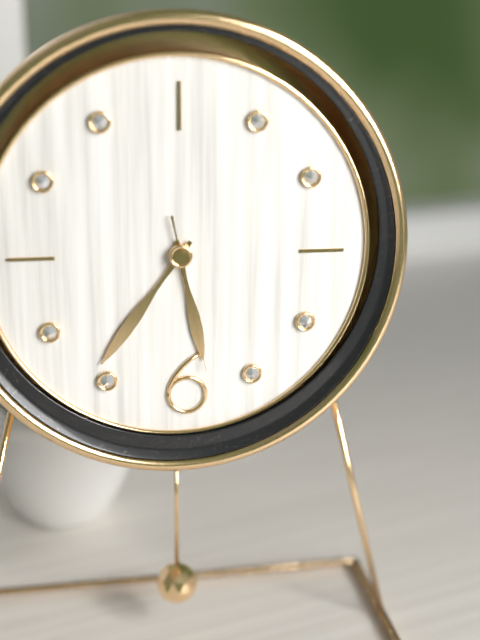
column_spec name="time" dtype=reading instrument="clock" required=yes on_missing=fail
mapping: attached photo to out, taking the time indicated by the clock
5:36:28
